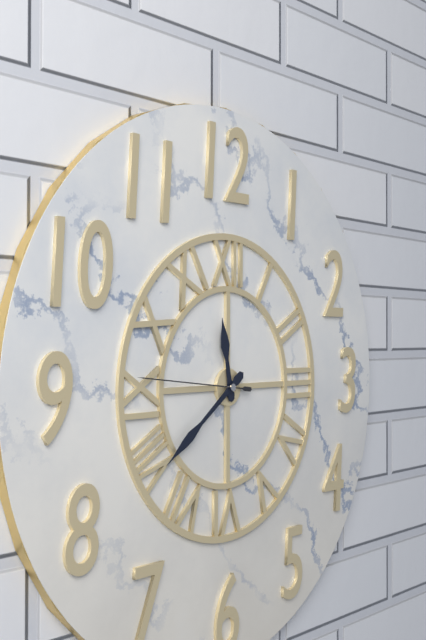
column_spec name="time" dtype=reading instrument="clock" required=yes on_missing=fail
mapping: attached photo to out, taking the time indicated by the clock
11:39:46
